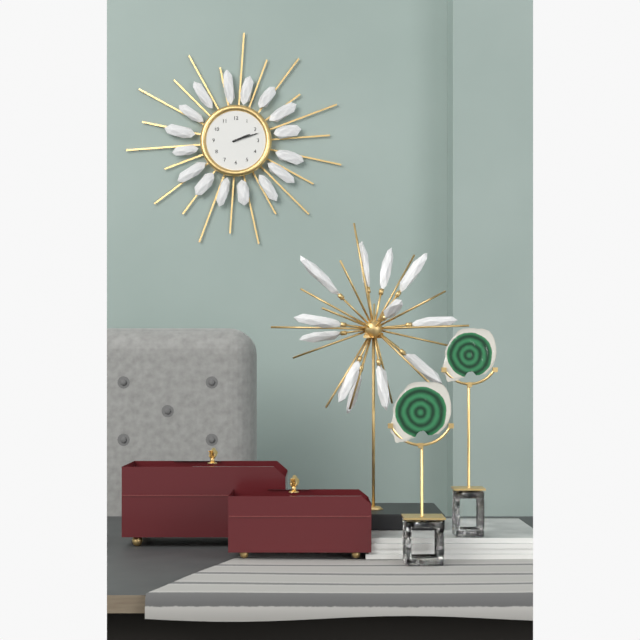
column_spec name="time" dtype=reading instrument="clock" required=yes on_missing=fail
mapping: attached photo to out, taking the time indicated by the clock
2:12
